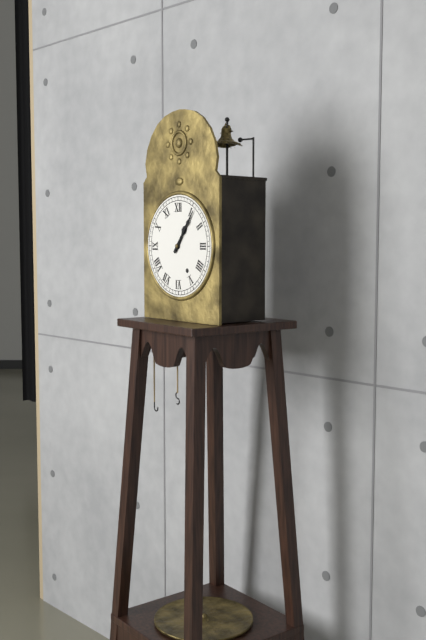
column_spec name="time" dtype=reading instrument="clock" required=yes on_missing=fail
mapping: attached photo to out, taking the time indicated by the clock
1:06
